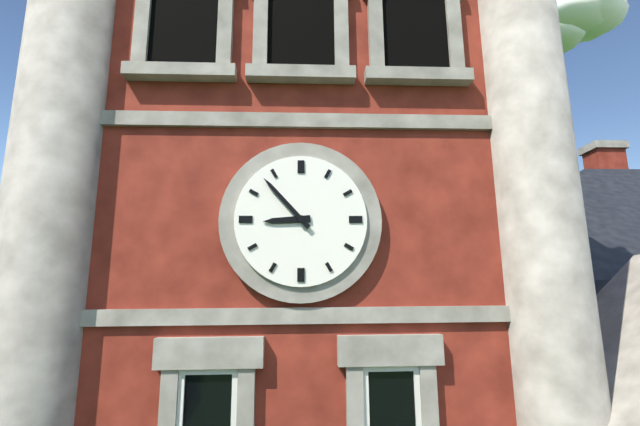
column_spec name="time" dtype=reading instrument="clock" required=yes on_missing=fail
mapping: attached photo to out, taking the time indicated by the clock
8:53
